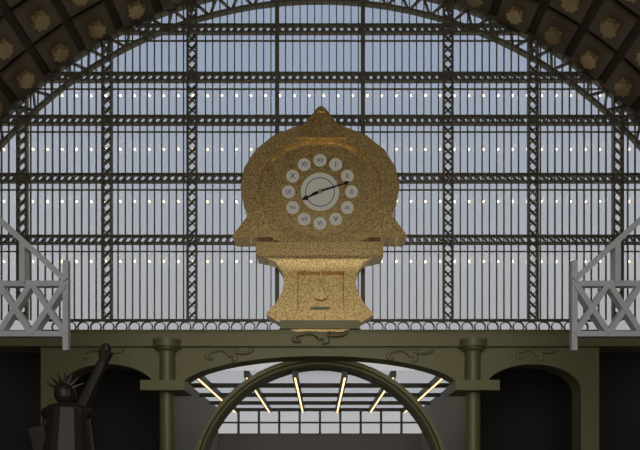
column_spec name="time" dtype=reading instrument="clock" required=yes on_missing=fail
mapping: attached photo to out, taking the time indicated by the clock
8:12
